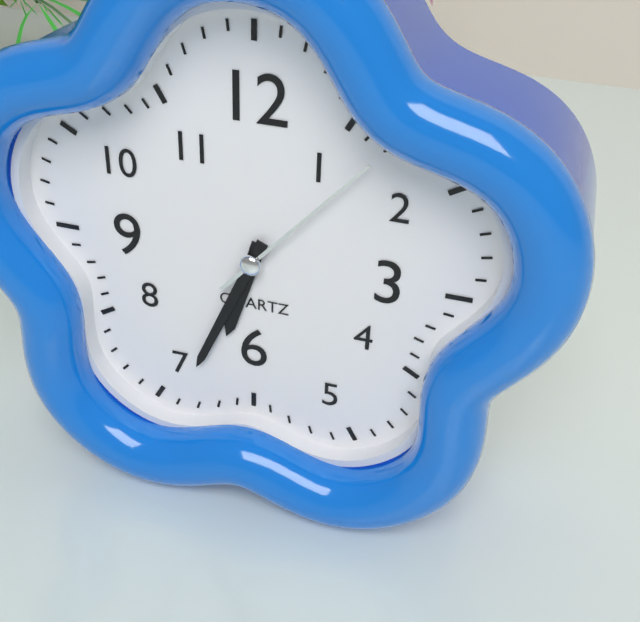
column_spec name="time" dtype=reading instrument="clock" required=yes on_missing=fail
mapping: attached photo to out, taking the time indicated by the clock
6:34:07
